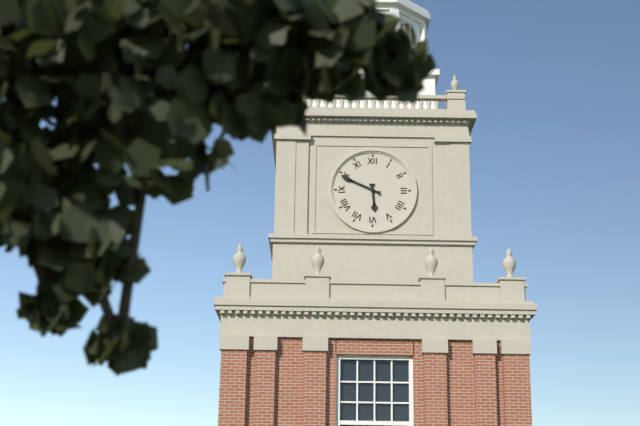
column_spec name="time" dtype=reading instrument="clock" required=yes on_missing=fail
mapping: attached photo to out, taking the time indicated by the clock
5:49
